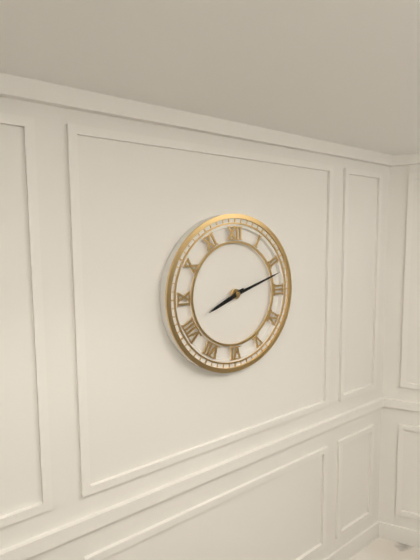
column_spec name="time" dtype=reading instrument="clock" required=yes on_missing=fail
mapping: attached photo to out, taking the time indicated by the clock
8:12
